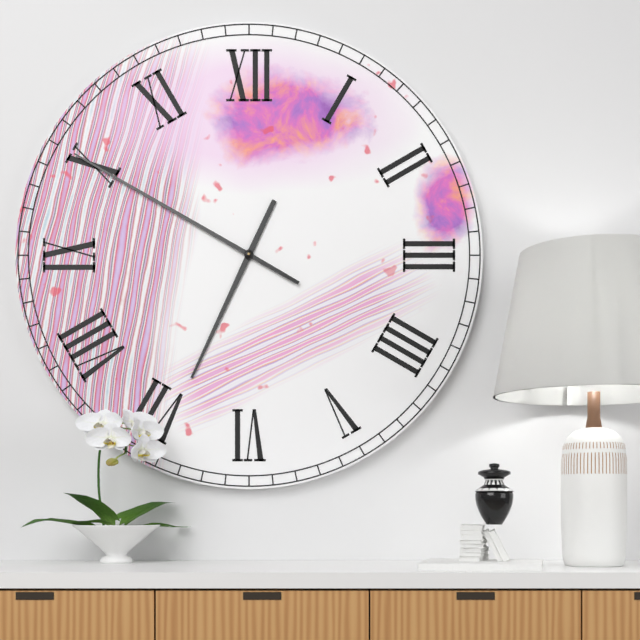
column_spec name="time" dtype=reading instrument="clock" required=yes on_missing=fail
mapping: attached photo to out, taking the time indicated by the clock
6:50
